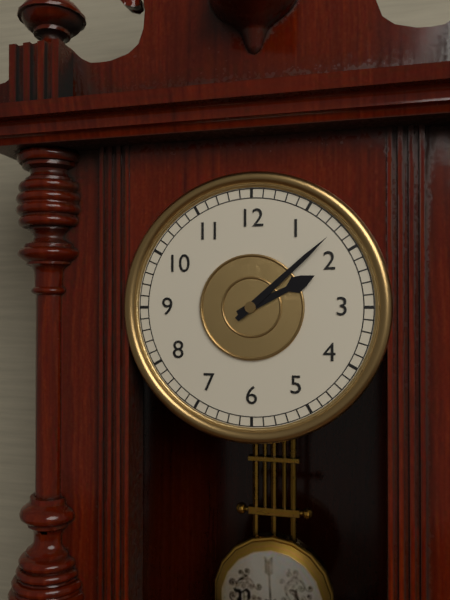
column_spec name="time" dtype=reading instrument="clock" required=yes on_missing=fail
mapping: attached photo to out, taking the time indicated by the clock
2:08
